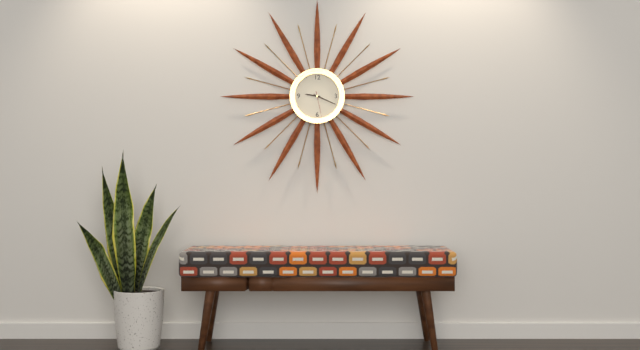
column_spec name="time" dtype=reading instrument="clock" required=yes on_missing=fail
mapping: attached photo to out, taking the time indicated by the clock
9:19
